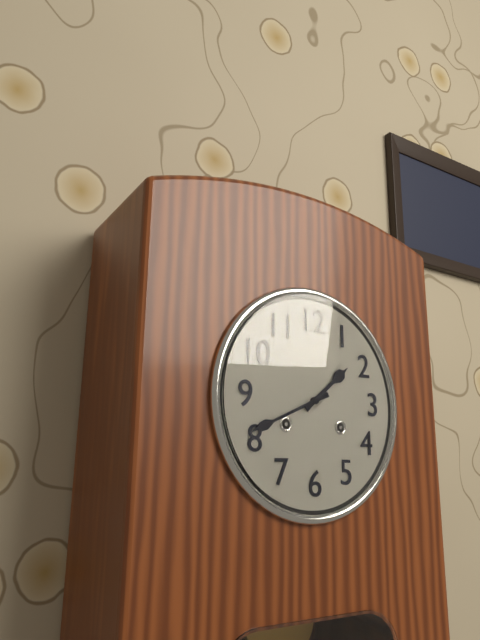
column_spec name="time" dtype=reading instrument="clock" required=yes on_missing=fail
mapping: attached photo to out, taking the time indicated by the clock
1:41
